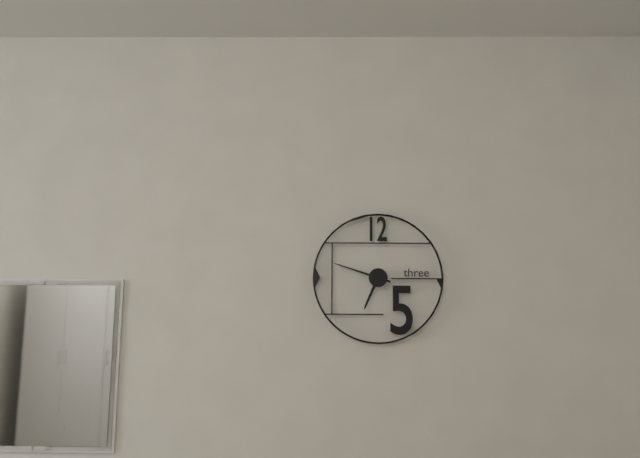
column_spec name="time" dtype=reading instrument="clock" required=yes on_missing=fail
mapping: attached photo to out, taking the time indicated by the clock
6:48
